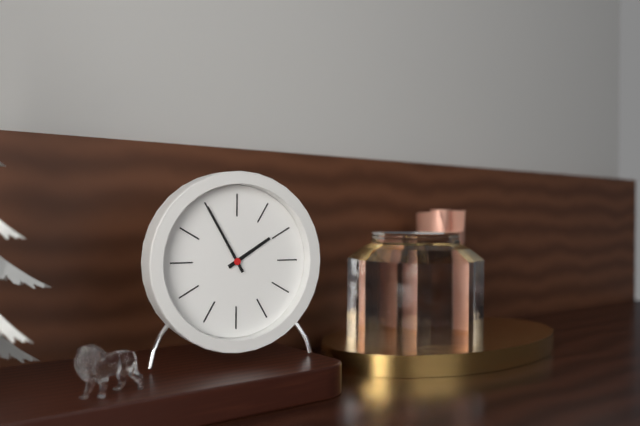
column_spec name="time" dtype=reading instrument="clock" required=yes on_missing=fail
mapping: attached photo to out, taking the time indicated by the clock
1:55
